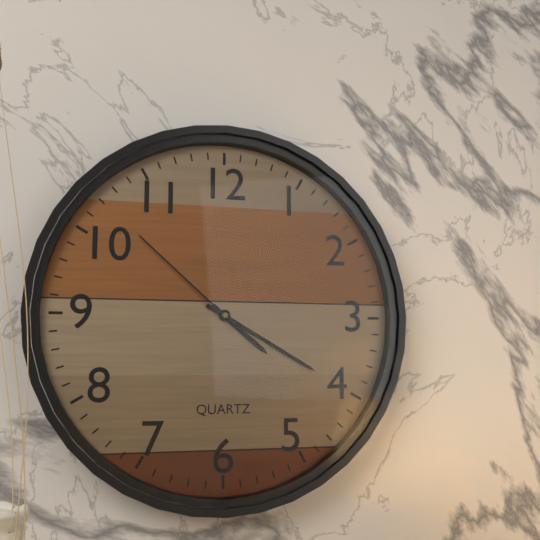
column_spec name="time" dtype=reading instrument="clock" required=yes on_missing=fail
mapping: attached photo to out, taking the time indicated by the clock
4:20:52
